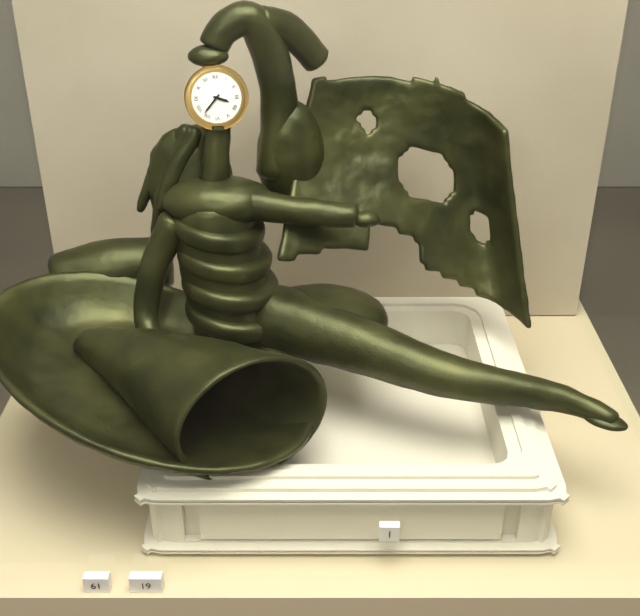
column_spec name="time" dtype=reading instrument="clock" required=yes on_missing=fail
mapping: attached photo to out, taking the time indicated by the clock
3:37
